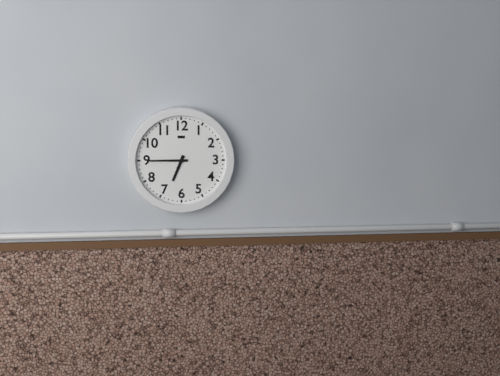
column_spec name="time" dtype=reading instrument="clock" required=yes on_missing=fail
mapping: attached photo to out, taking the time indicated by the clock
6:45
